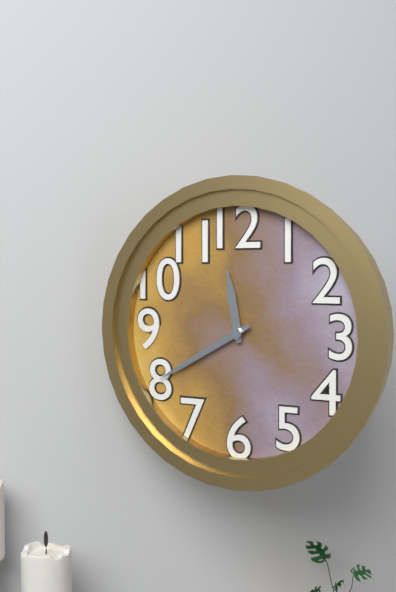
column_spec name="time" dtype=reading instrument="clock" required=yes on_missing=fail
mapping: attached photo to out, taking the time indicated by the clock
11:40
